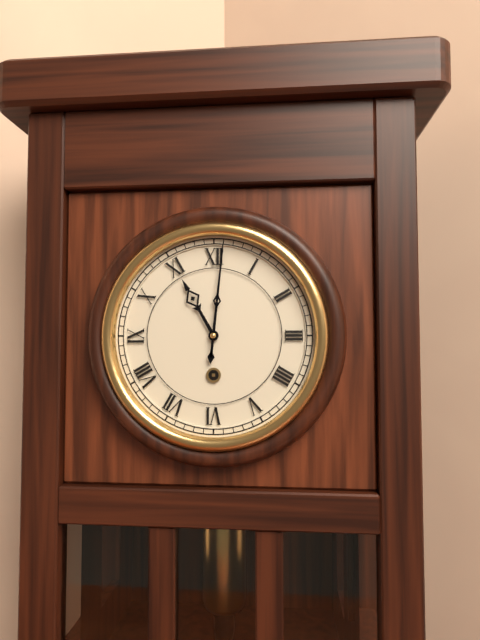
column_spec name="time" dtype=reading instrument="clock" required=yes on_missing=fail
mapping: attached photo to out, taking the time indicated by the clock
11:01
